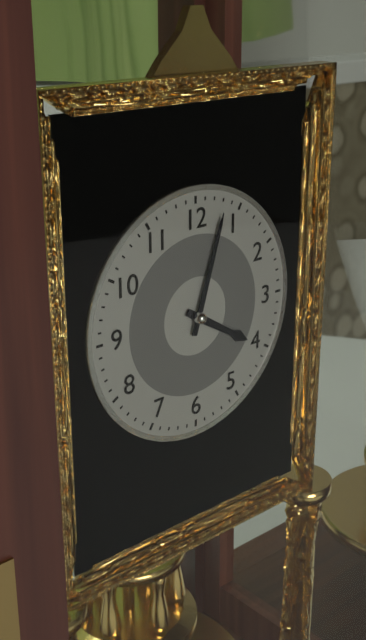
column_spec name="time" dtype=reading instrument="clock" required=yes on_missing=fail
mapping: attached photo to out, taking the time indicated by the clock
4:03
